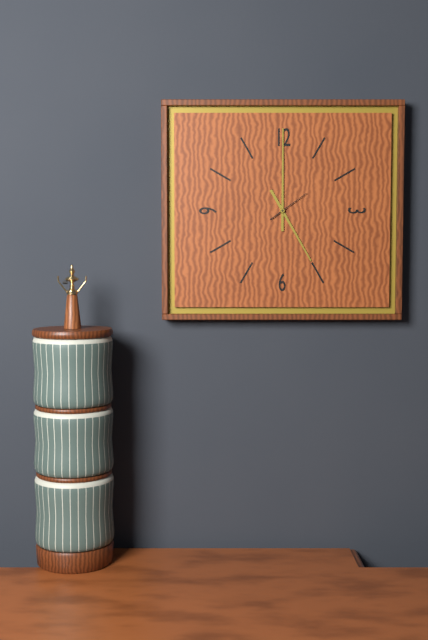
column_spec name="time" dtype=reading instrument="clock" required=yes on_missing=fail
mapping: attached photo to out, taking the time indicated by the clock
5:00
